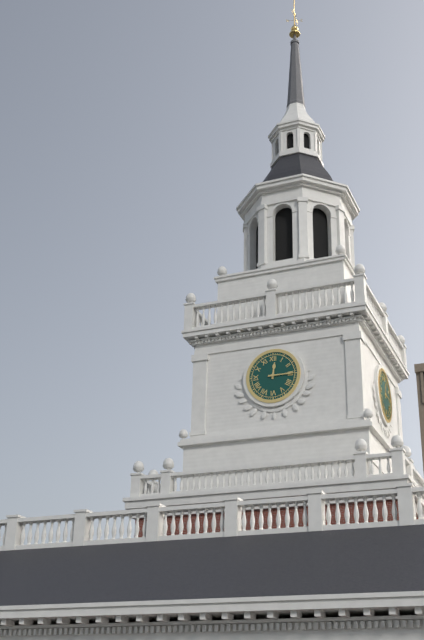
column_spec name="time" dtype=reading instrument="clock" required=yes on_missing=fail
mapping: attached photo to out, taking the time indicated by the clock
12:15
